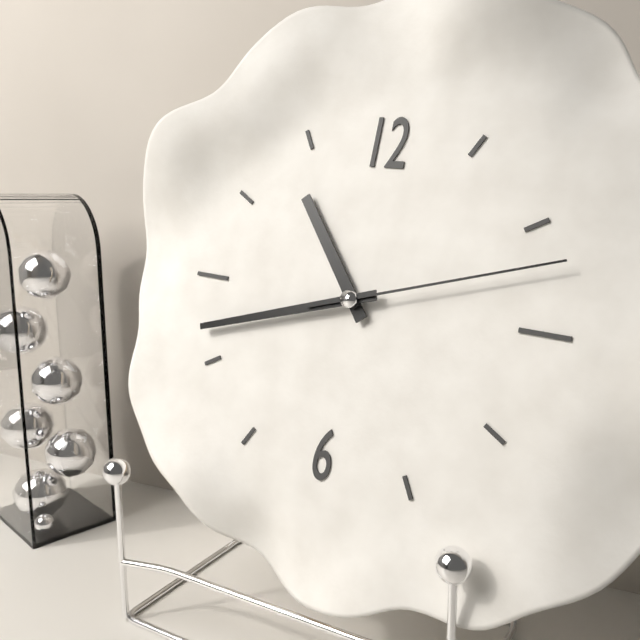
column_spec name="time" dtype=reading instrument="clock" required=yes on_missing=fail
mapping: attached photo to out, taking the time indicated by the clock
10:42:12
